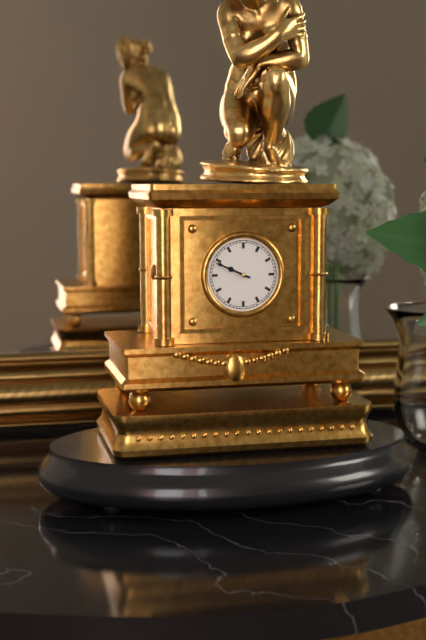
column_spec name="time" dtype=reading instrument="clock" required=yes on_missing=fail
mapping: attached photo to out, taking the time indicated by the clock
9:49
